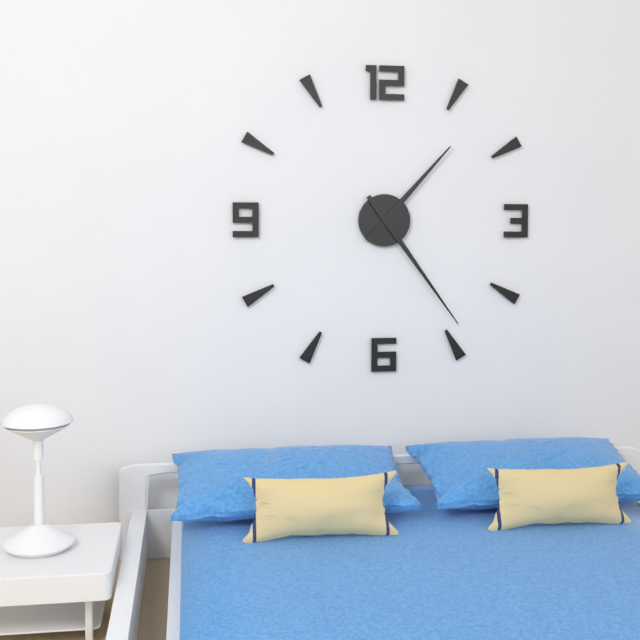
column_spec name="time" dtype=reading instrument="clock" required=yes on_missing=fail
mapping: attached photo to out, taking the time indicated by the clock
1:24
